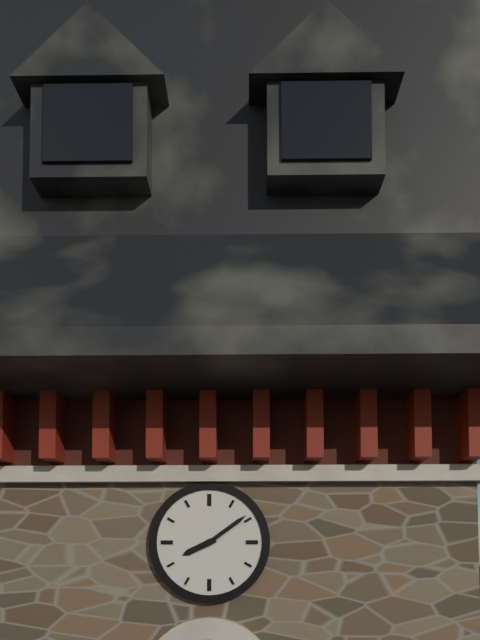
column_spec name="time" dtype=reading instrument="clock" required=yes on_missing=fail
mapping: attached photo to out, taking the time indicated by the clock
8:09
